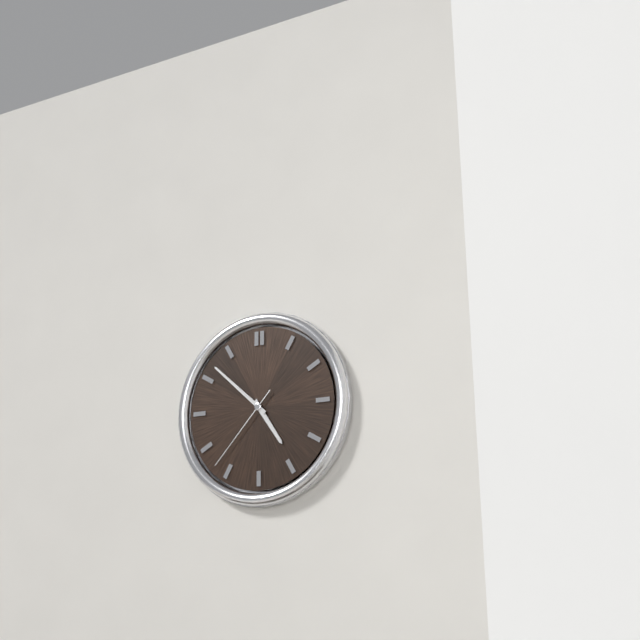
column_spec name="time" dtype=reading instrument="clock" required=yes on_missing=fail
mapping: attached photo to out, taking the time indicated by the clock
4:52:37
